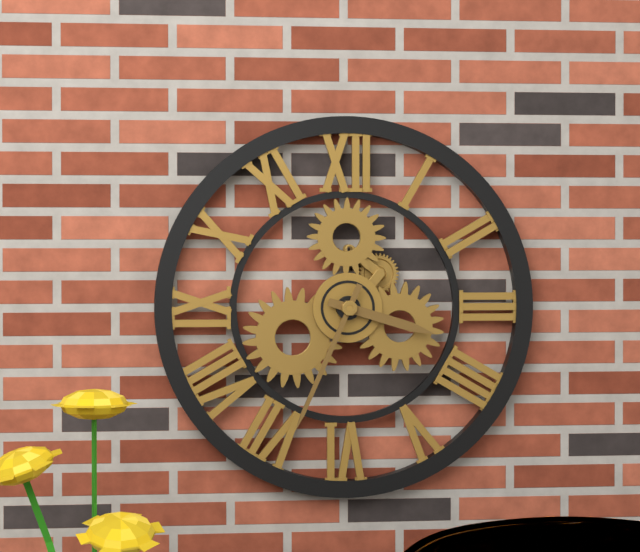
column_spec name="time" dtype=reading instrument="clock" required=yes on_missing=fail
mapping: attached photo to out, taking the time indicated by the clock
3:34
